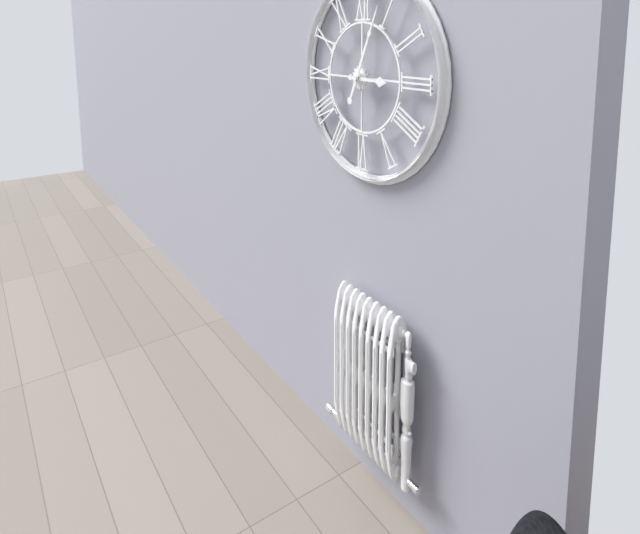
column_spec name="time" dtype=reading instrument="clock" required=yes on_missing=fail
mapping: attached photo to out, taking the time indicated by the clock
3:04
